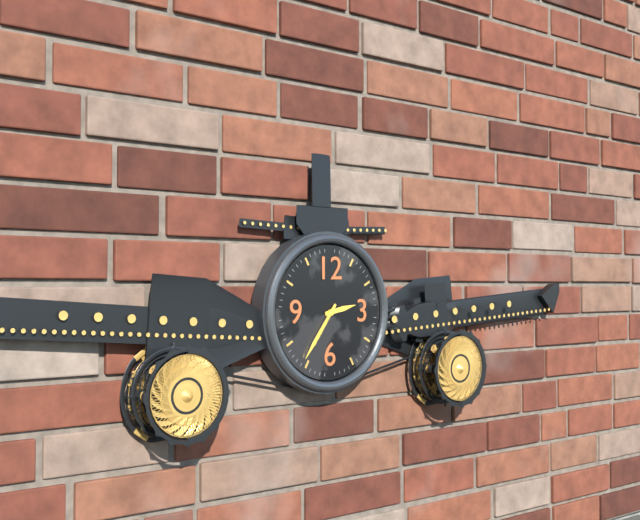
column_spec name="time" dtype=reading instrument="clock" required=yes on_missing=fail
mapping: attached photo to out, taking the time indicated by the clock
2:36
